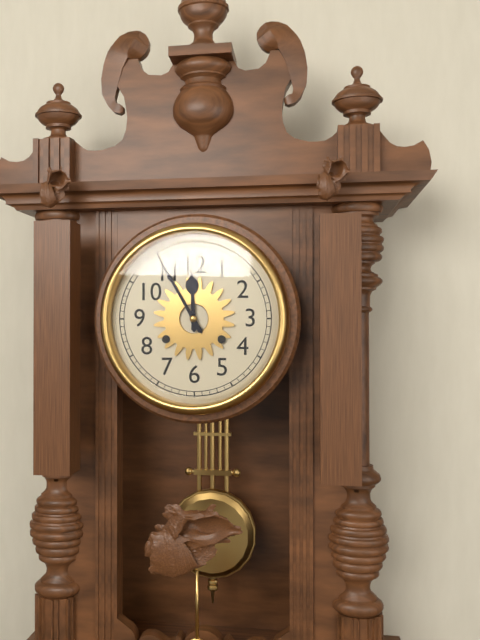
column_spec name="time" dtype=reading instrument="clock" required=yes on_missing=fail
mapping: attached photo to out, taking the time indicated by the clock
11:55
